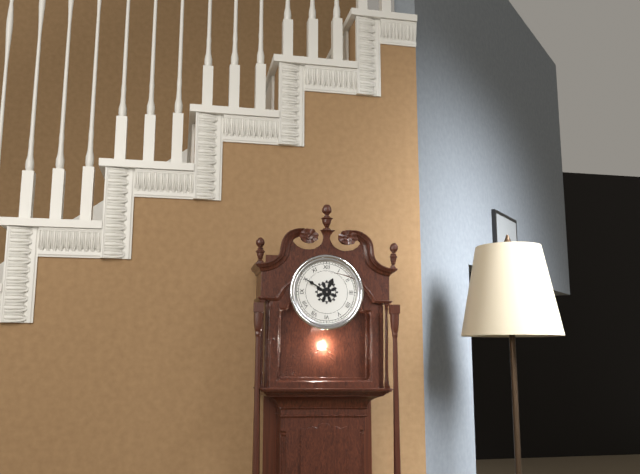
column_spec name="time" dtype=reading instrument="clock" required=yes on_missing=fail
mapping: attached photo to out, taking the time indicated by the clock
12:50
